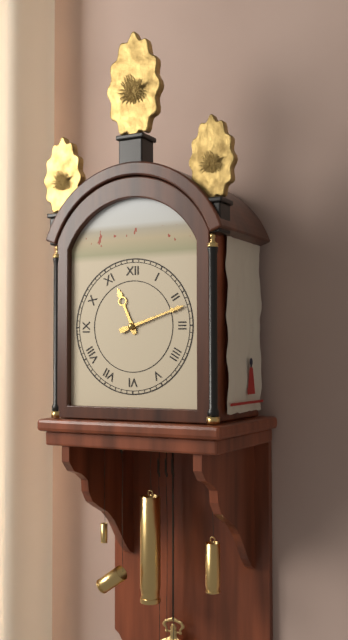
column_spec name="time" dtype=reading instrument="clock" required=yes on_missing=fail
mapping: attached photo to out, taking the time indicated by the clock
11:12
